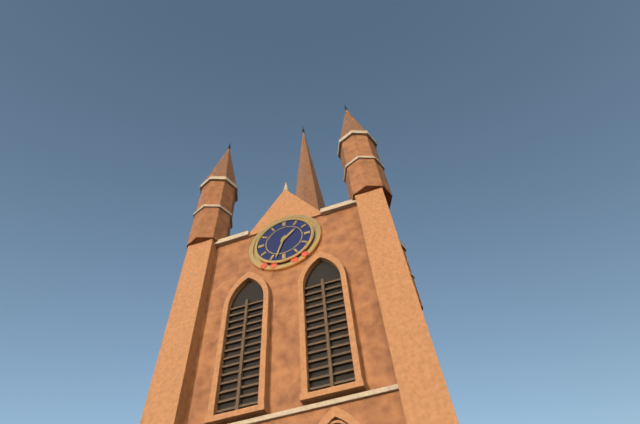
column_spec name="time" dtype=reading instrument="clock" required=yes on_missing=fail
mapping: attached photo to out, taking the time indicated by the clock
1:33
